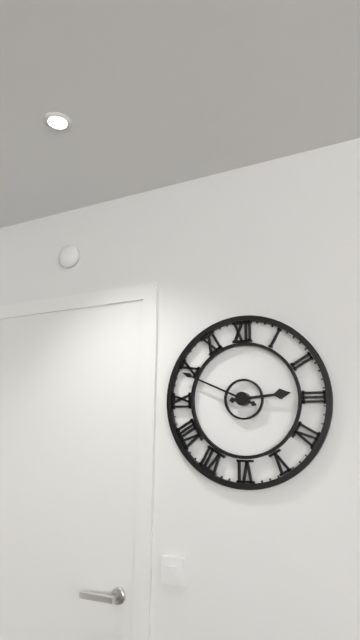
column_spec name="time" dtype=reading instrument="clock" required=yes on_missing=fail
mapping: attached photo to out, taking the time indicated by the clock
2:49
